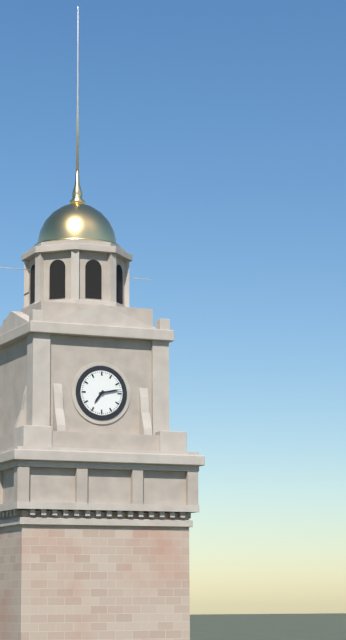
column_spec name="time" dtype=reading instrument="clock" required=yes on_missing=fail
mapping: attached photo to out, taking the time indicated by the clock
7:13
